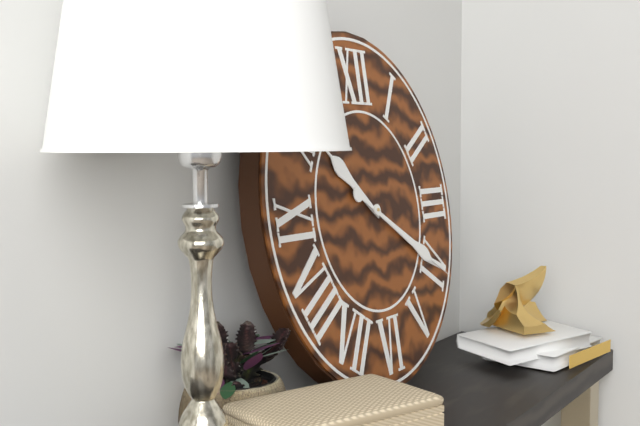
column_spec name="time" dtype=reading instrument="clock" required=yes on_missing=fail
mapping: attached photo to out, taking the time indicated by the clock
10:20
